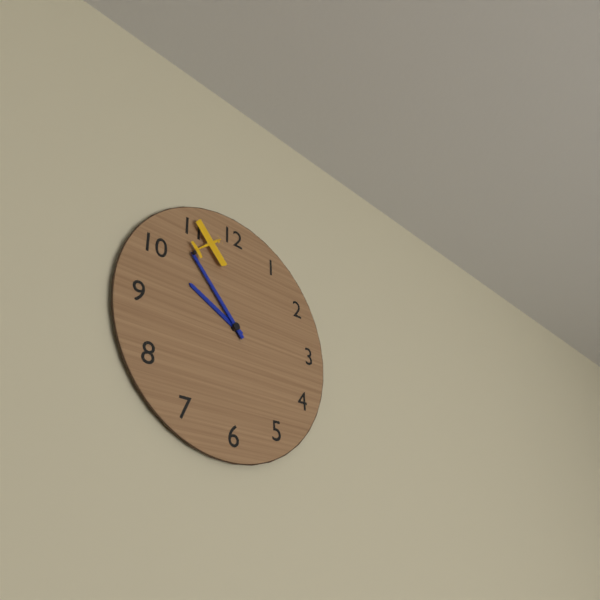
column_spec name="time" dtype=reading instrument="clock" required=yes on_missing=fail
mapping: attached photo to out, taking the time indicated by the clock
9:53
